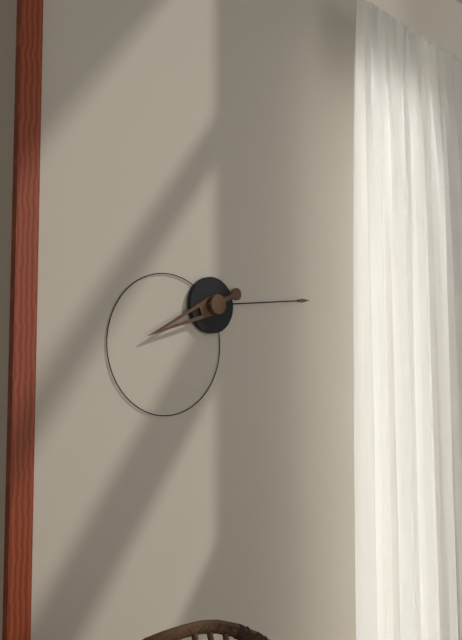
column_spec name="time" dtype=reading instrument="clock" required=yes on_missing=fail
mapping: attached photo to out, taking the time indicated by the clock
8:14
